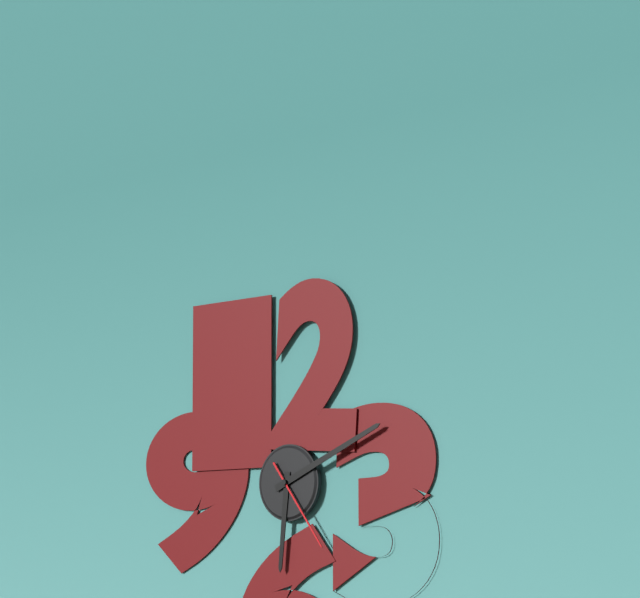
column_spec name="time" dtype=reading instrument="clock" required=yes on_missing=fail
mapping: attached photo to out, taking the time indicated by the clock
6:11:24
